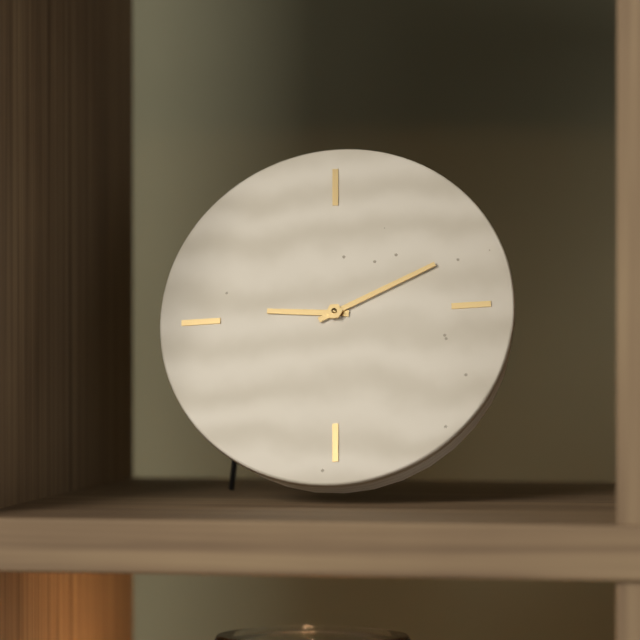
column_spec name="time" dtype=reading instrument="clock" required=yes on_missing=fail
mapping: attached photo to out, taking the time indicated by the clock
9:11
